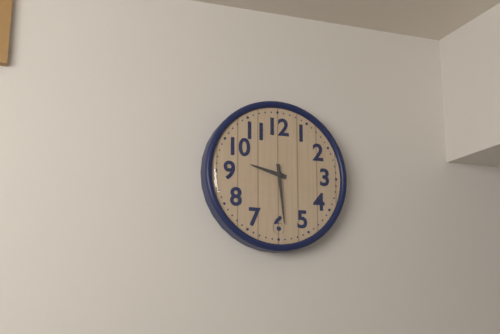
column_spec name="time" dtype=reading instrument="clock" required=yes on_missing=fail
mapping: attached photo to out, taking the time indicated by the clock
9:29
